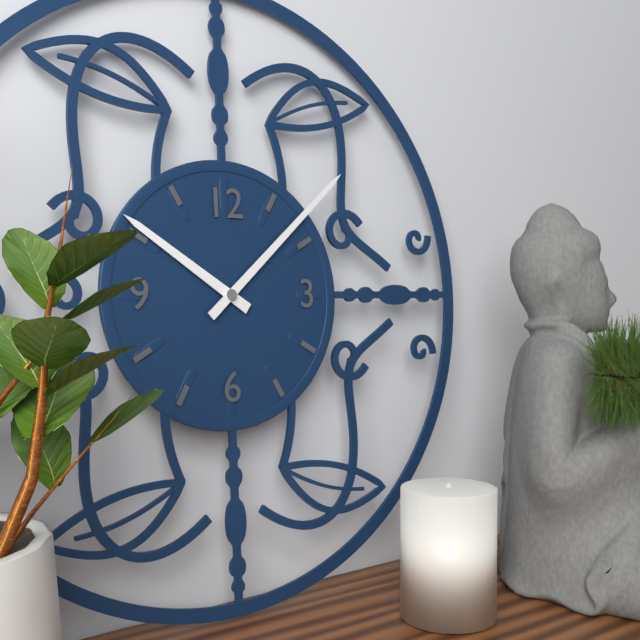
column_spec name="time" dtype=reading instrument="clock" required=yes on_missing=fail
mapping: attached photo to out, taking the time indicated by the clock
10:08
